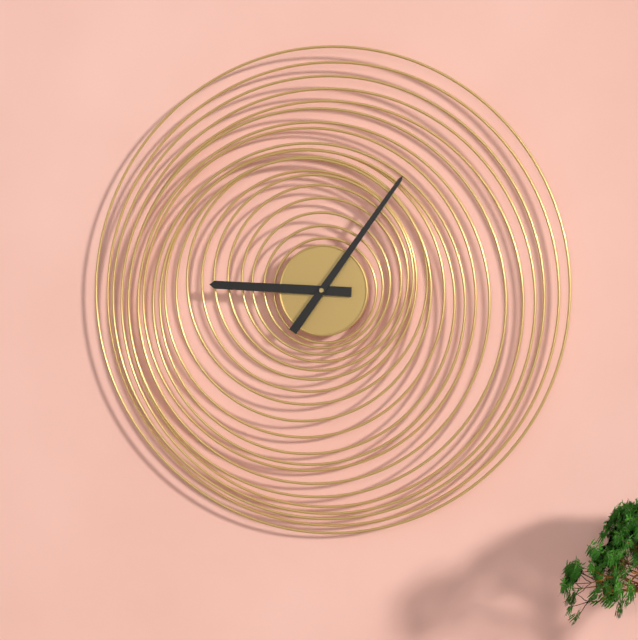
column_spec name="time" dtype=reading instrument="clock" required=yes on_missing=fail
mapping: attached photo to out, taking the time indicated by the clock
9:06
